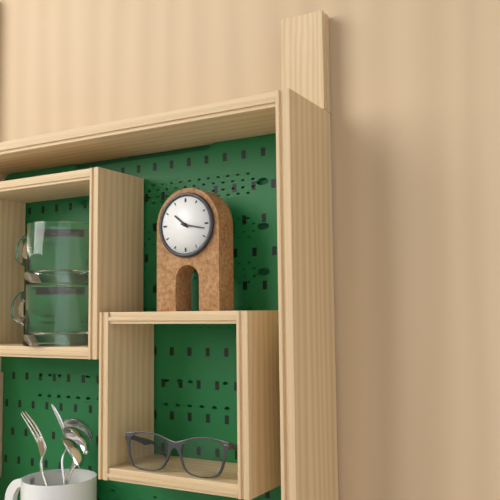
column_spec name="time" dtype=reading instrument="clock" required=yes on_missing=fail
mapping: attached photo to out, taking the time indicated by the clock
10:17
